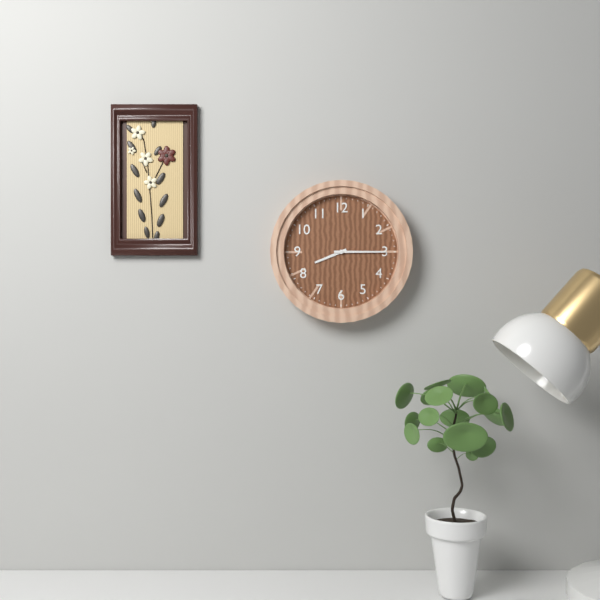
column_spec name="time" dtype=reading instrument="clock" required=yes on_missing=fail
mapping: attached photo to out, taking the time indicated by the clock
8:15
